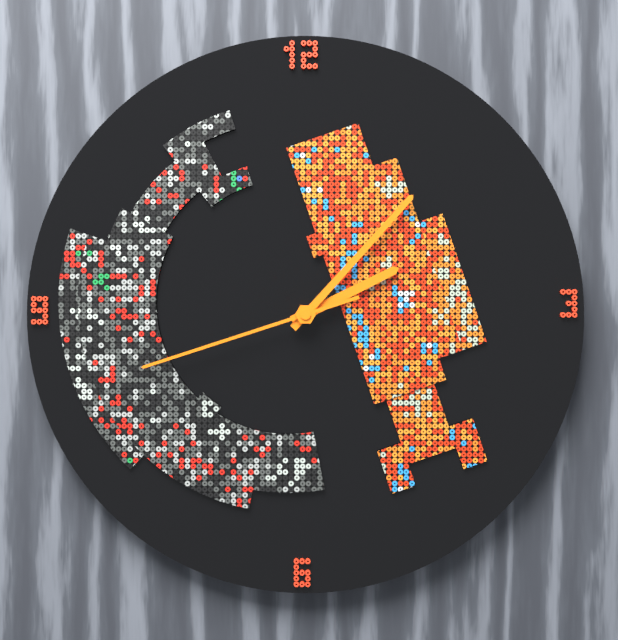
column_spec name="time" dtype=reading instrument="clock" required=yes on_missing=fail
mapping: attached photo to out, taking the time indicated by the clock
2:07:42
